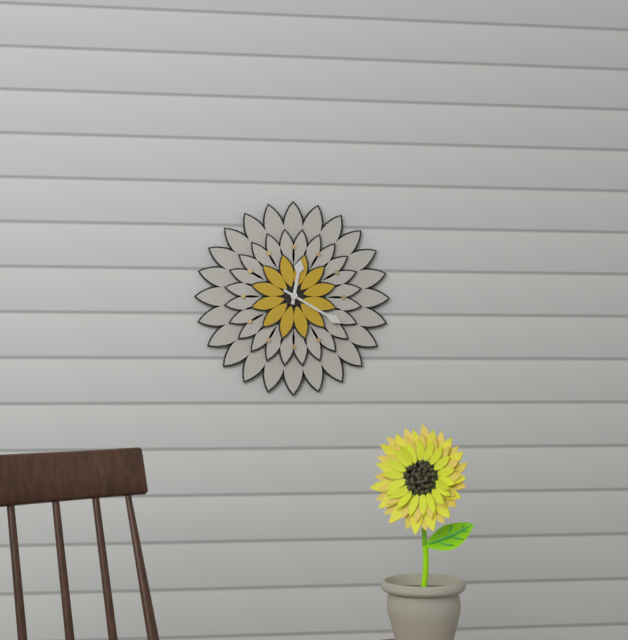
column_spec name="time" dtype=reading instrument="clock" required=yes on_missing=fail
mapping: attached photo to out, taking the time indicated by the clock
12:20
